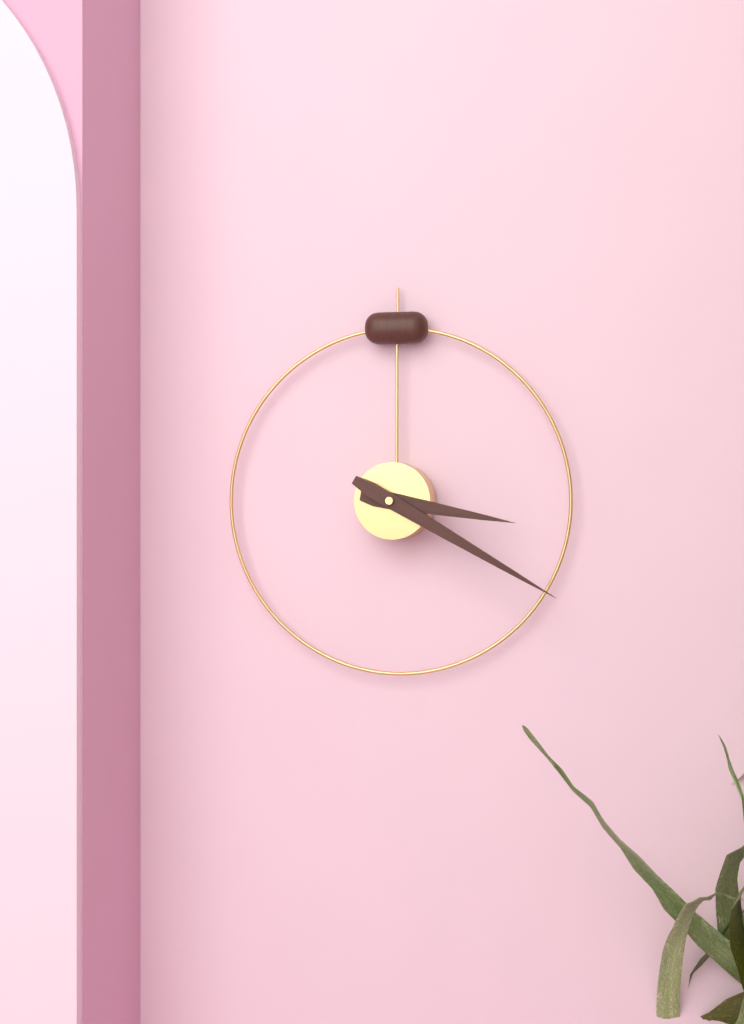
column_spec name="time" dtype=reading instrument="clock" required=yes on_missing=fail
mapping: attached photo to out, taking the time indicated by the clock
3:20
